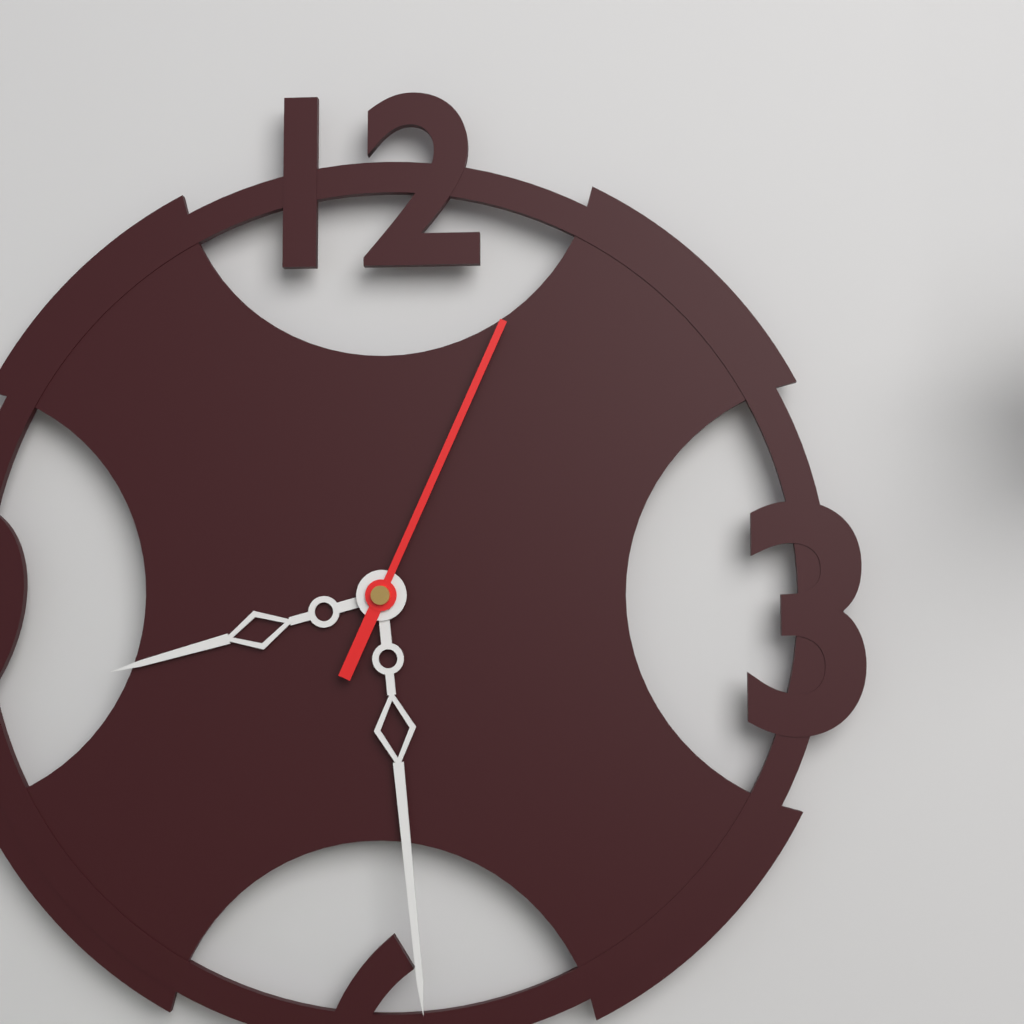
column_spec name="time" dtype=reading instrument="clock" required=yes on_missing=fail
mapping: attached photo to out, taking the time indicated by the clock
8:29:04
